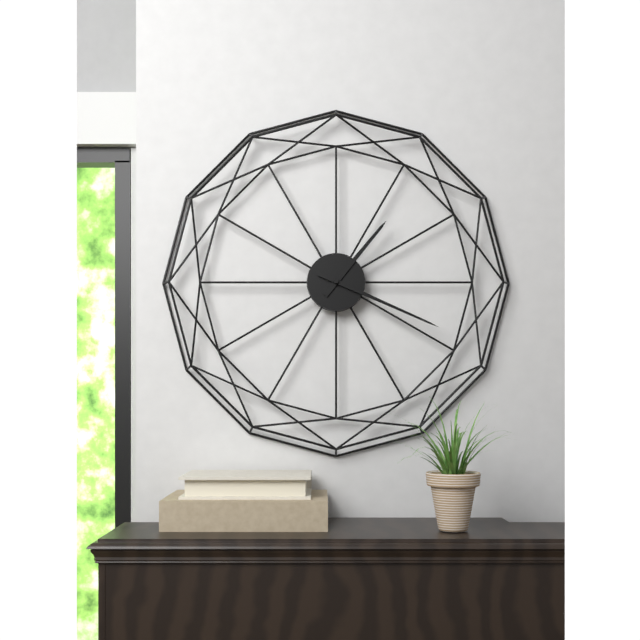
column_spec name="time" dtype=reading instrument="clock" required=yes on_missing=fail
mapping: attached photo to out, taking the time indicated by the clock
1:19
